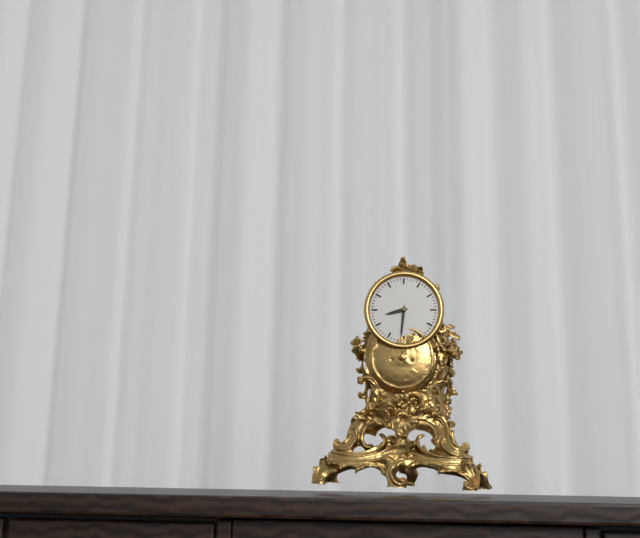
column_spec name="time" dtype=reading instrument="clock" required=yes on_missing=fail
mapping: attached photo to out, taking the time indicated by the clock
8:31
